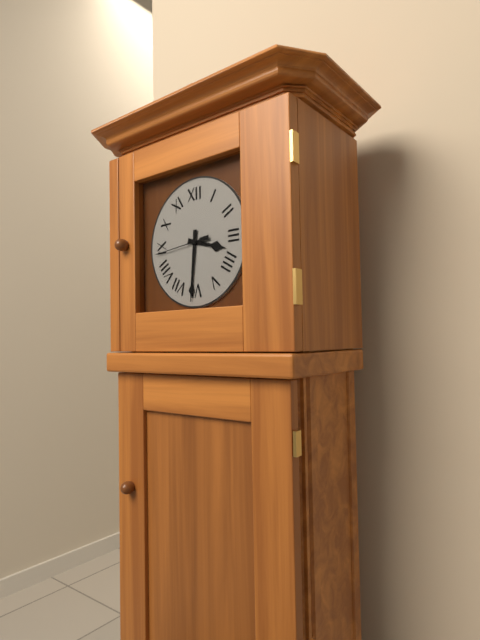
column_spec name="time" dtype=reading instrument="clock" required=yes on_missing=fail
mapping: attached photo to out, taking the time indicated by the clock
3:31:44
